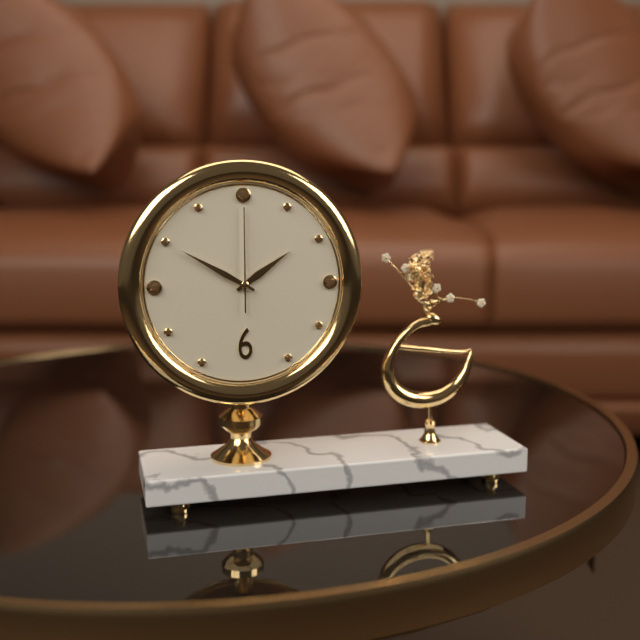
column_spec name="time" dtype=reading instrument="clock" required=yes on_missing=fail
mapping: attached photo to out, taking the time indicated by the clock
1:50:00
